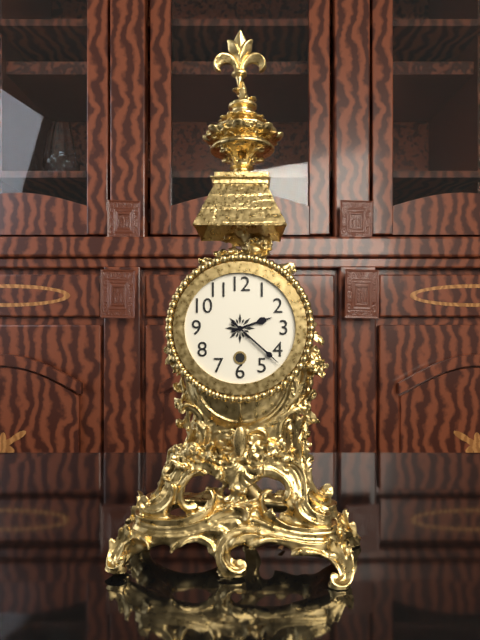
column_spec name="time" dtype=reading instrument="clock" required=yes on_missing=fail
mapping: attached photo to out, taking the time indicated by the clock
2:22
